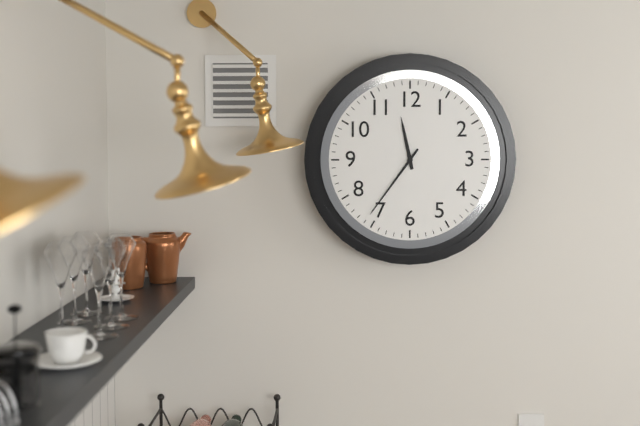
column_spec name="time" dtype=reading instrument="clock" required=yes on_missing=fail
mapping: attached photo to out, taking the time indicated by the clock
11:36
